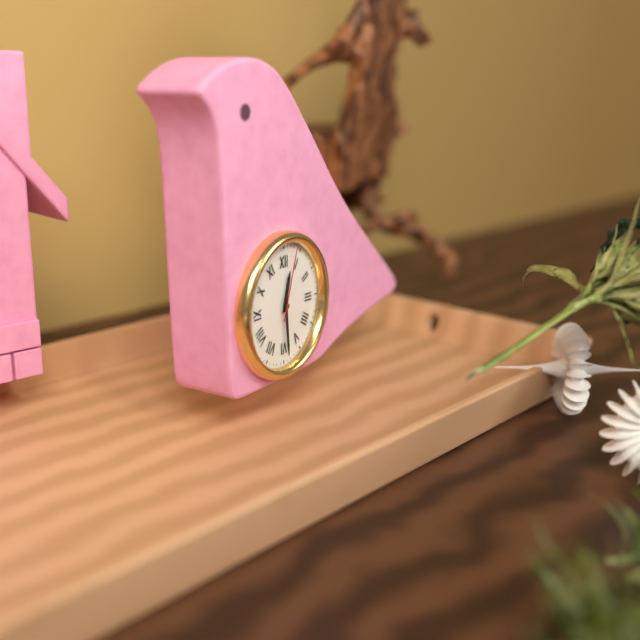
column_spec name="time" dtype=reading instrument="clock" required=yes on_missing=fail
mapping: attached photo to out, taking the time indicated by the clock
12:29:03
